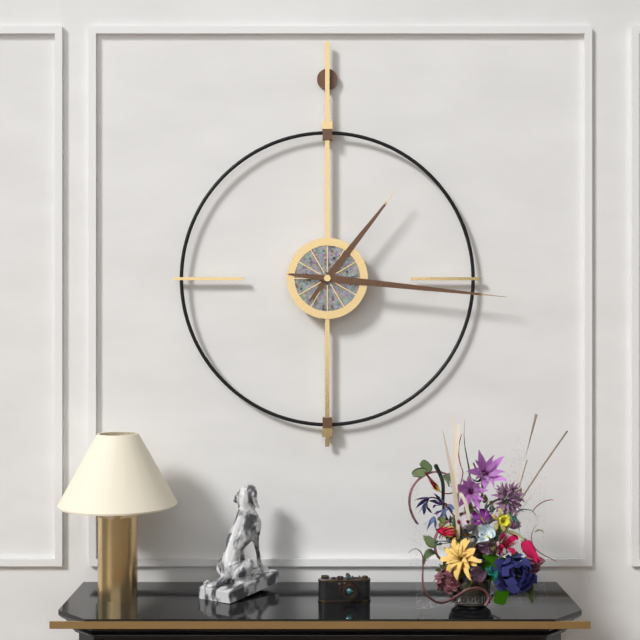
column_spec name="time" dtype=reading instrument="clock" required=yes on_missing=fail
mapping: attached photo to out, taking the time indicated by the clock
1:16
